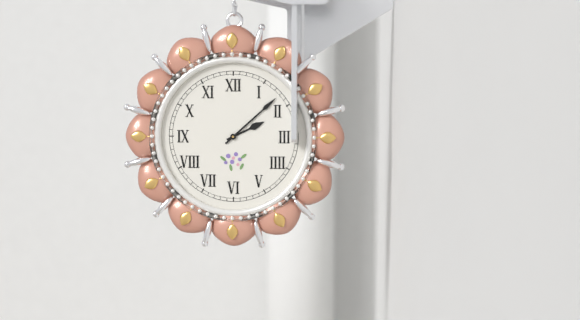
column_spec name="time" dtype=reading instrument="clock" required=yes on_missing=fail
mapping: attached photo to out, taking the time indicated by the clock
2:08
